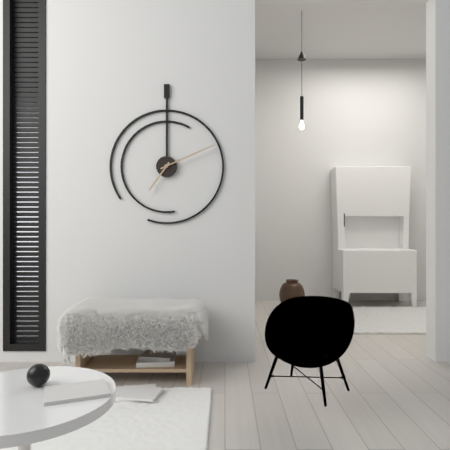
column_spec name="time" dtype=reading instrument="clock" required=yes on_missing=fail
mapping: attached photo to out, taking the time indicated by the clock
7:11
